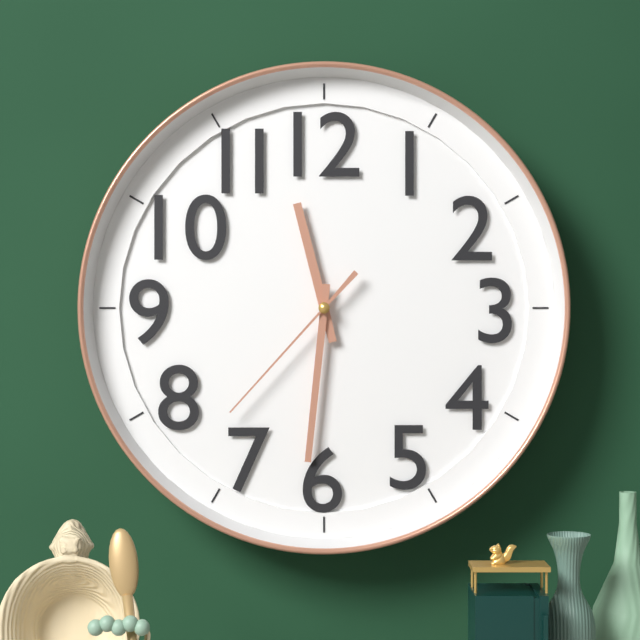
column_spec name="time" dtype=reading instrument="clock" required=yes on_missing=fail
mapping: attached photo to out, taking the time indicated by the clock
11:31:37
